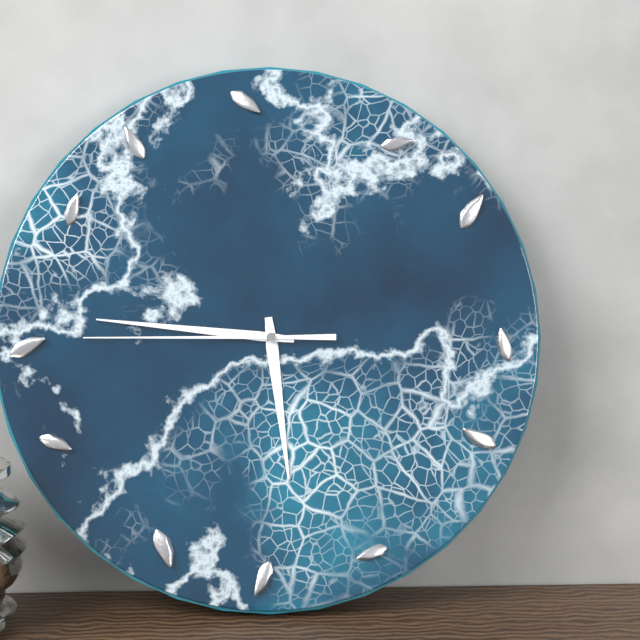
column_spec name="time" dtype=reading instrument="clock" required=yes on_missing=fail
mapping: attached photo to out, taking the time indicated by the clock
5:46:45
